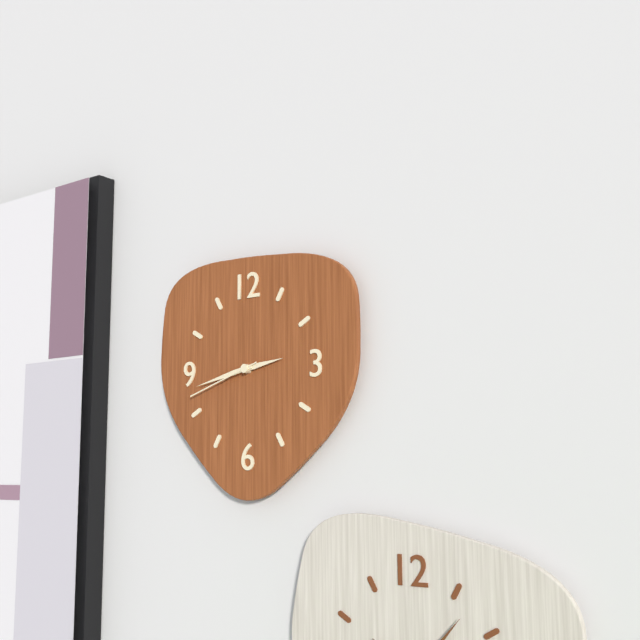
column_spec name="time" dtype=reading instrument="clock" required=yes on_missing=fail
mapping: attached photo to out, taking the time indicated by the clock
2:43:42
